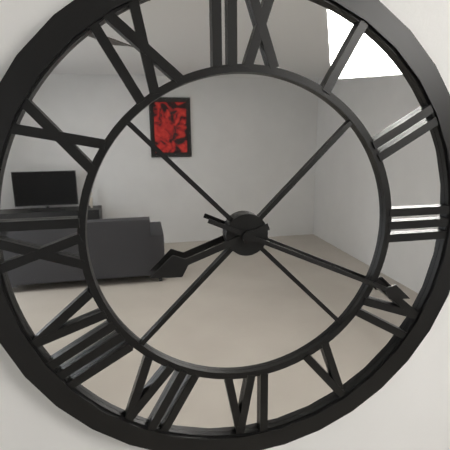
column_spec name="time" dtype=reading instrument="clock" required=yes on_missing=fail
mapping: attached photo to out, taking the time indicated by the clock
8:19
